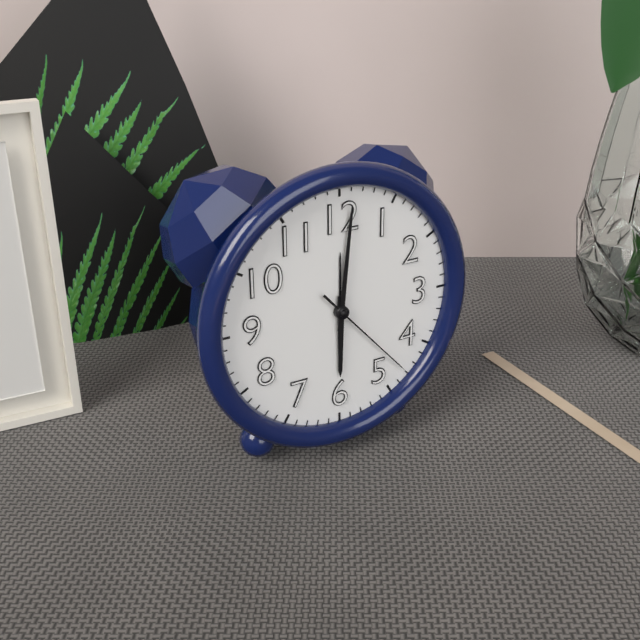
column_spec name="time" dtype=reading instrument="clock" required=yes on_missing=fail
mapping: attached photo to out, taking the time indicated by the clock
6:01:23
